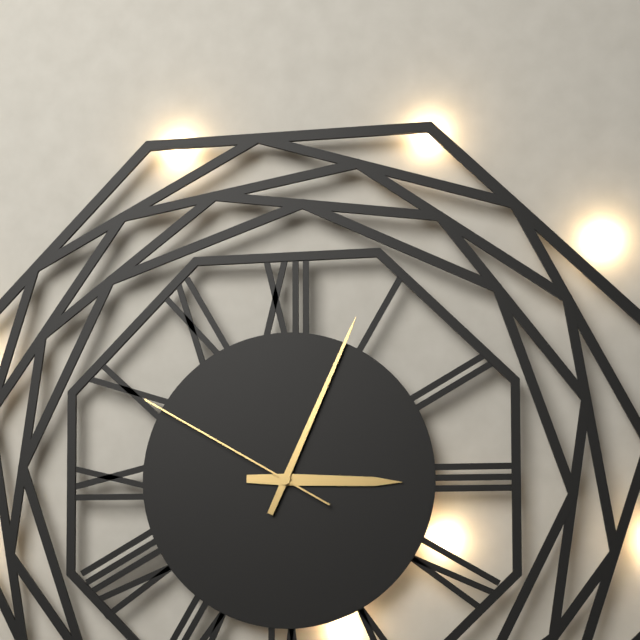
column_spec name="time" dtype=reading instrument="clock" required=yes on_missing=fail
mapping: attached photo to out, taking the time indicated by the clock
3:04:50
